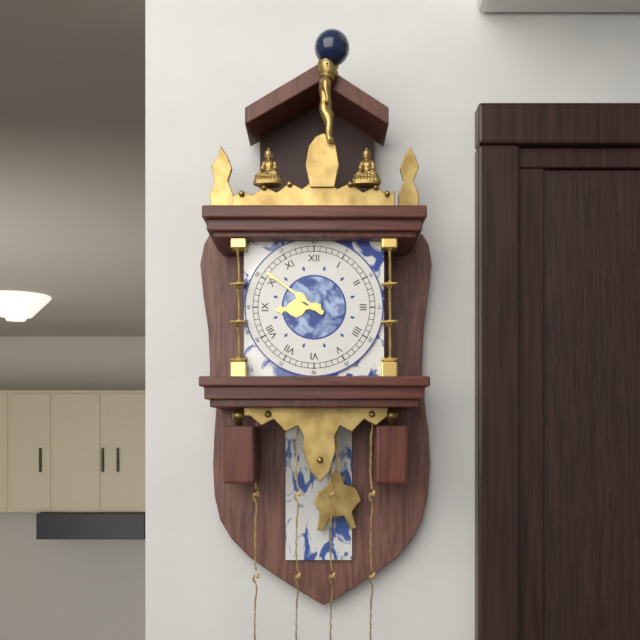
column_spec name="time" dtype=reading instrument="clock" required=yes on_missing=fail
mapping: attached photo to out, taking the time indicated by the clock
8:51
